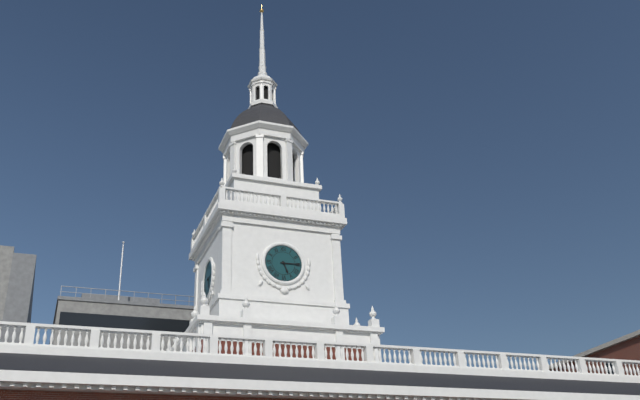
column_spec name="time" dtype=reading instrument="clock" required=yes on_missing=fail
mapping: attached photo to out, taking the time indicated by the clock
5:15
